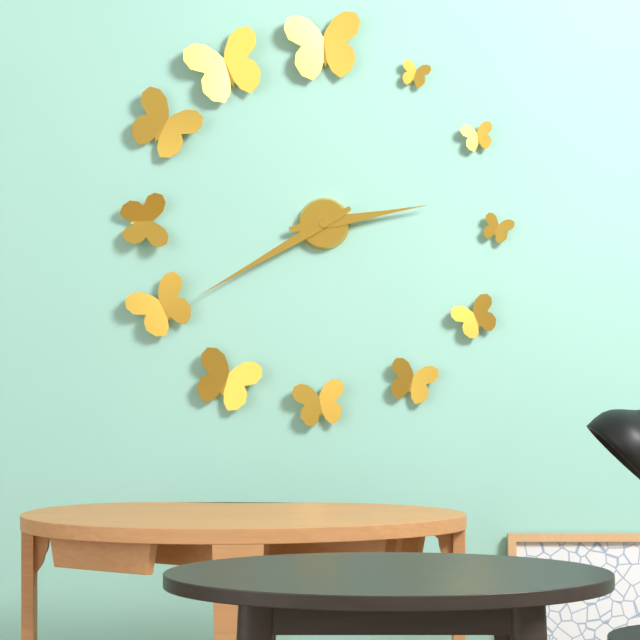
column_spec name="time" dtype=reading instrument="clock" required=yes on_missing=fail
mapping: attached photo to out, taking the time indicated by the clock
2:40
